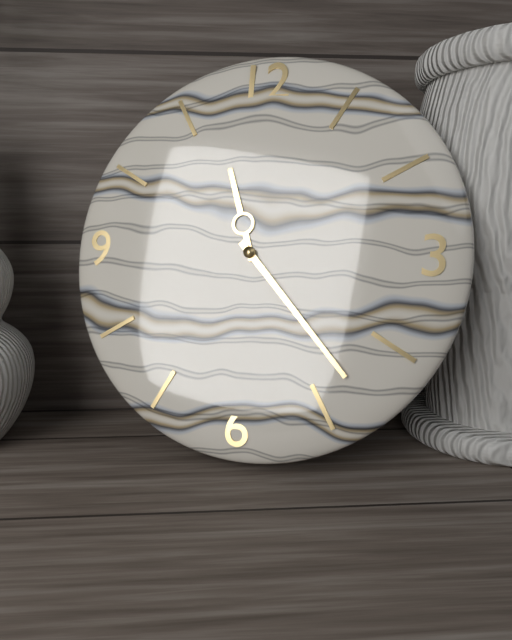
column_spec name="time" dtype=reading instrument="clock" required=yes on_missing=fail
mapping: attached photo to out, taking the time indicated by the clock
11:23
